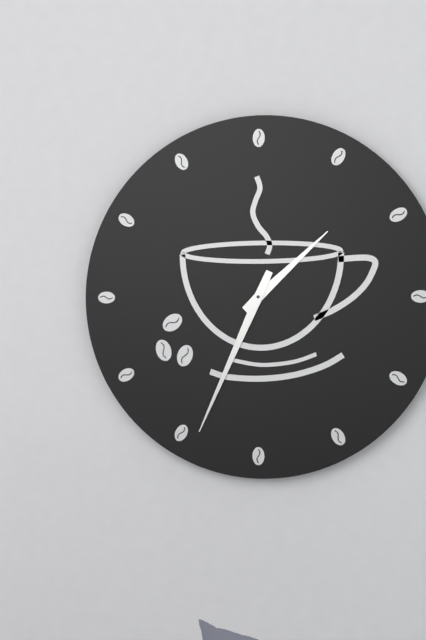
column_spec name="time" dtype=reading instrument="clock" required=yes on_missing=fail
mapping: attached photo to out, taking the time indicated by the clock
1:34
